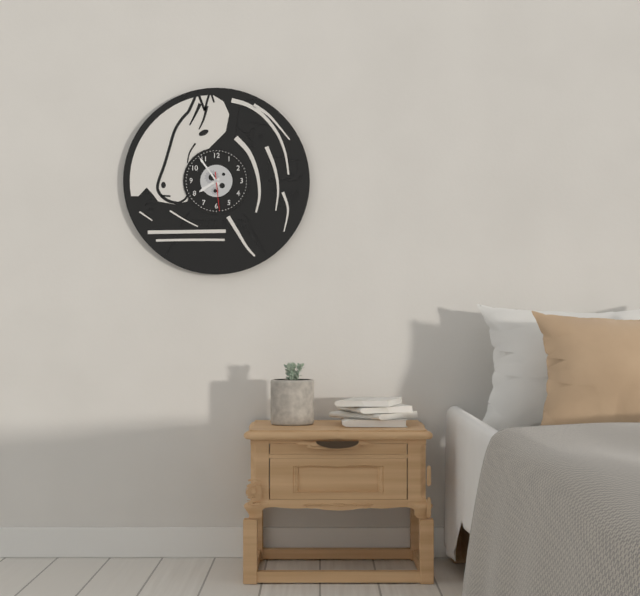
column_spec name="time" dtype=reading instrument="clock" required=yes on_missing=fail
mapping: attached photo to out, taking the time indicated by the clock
7:54
